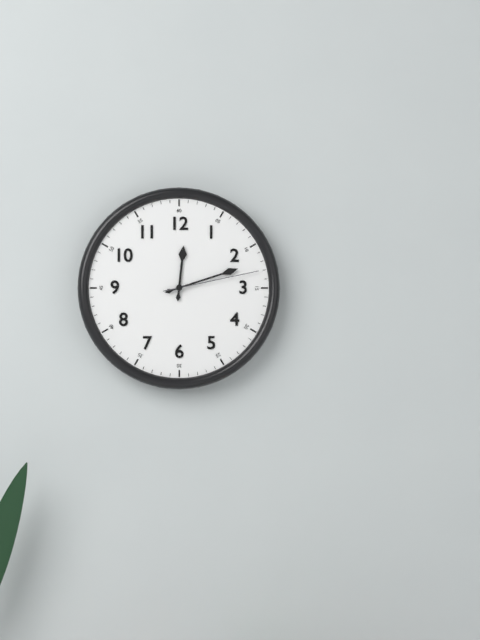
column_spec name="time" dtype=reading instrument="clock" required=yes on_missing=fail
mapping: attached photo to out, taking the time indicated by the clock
12:12:13
